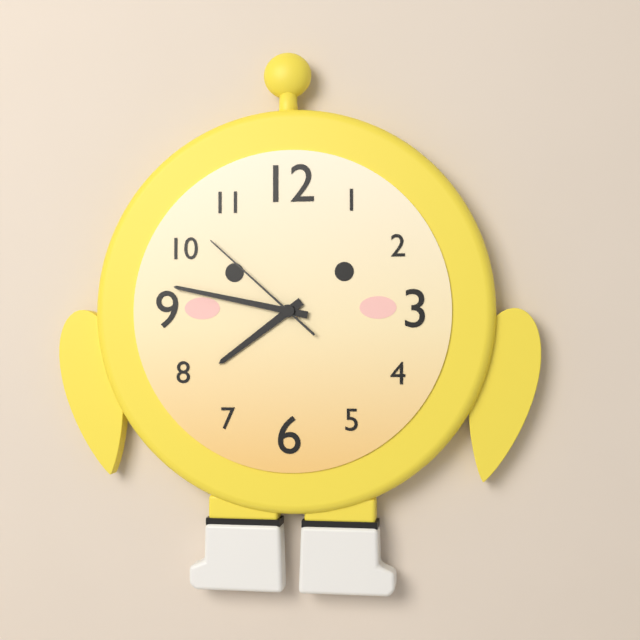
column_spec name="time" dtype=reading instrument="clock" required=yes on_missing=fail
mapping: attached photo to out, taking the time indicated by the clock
7:47:52
